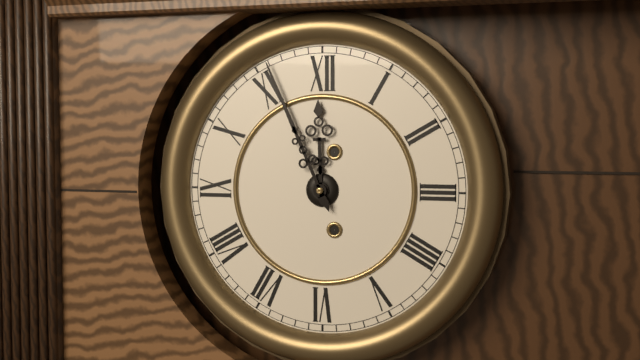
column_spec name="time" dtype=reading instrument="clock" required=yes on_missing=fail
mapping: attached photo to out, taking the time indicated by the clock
11:56
